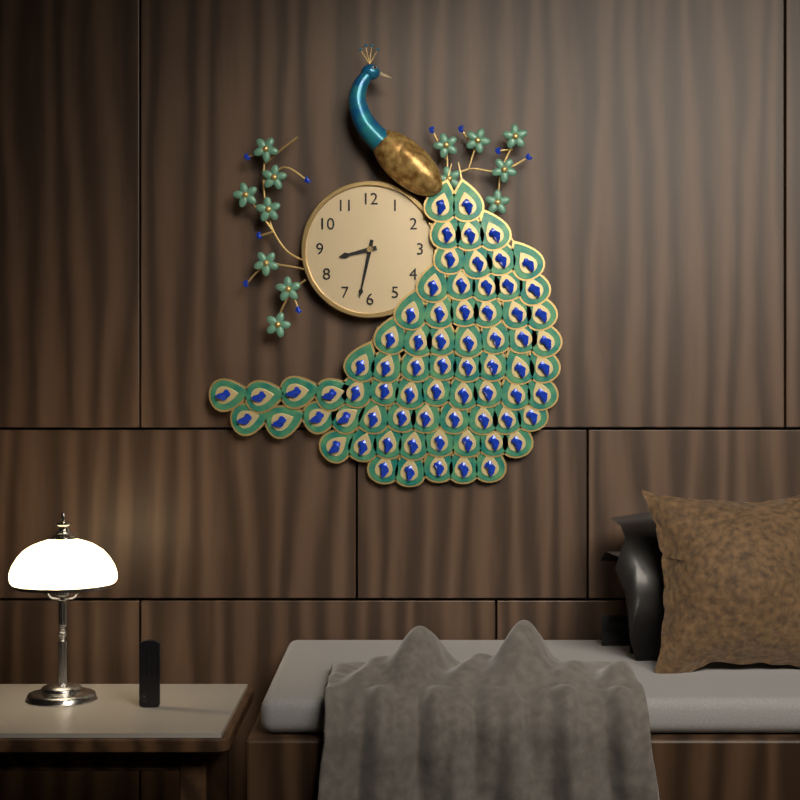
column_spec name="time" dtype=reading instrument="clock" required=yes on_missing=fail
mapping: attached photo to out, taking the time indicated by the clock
8:32
